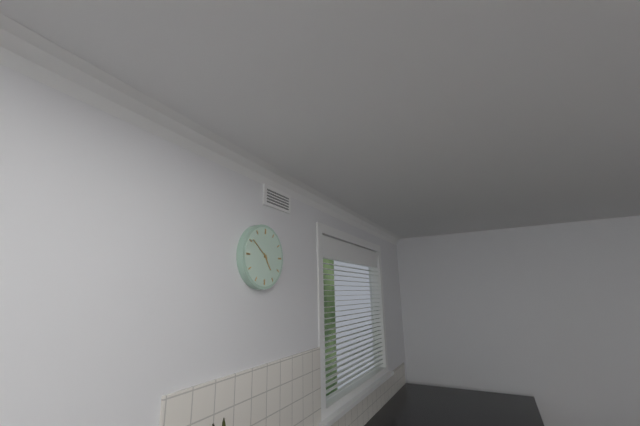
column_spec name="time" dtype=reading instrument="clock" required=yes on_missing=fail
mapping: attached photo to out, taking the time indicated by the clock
4:51
